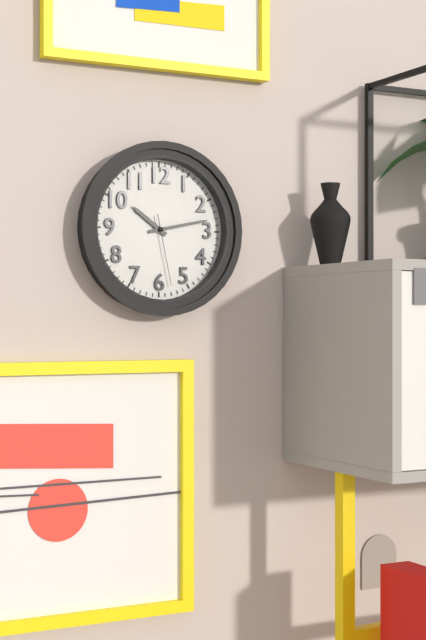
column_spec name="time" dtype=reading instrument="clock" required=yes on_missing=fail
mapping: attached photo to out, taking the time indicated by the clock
10:13:28
